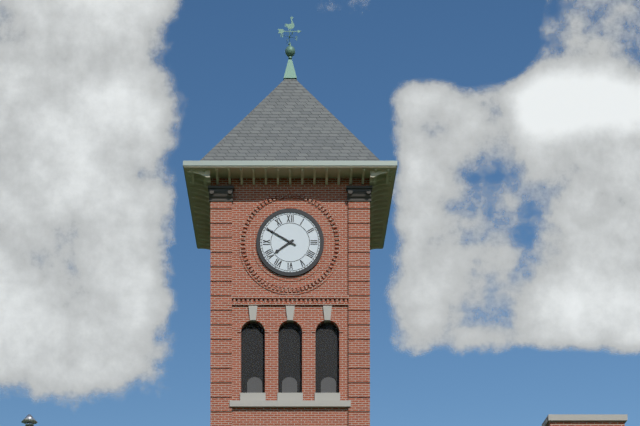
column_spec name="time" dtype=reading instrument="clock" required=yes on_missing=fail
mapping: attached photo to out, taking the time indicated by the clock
7:50
